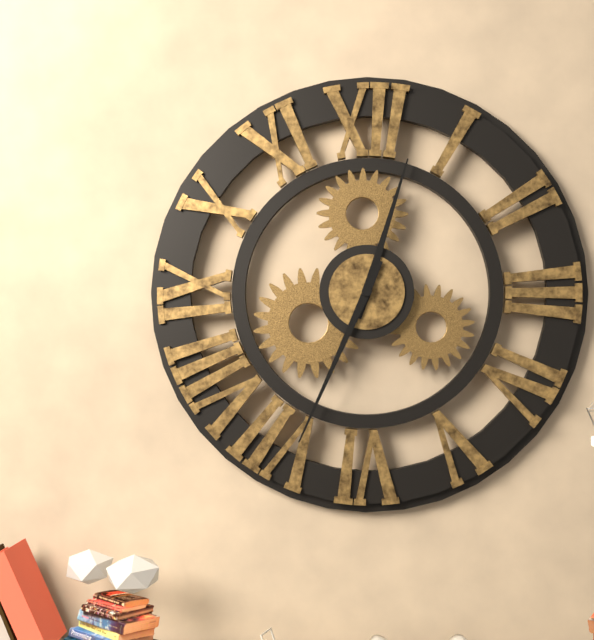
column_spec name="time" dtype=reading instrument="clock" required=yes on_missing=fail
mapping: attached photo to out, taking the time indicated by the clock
12:34
